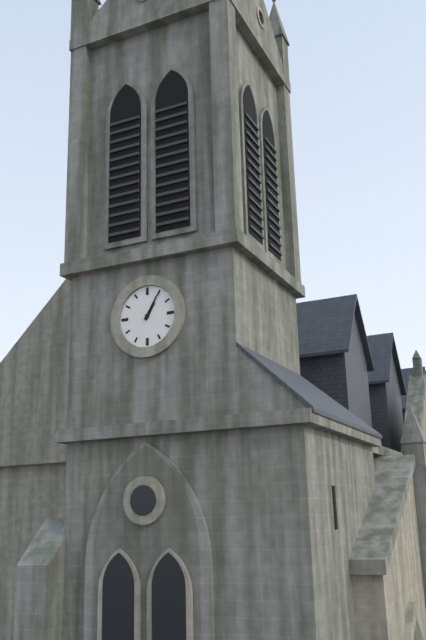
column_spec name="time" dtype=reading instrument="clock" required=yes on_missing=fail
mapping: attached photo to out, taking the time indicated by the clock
1:05
